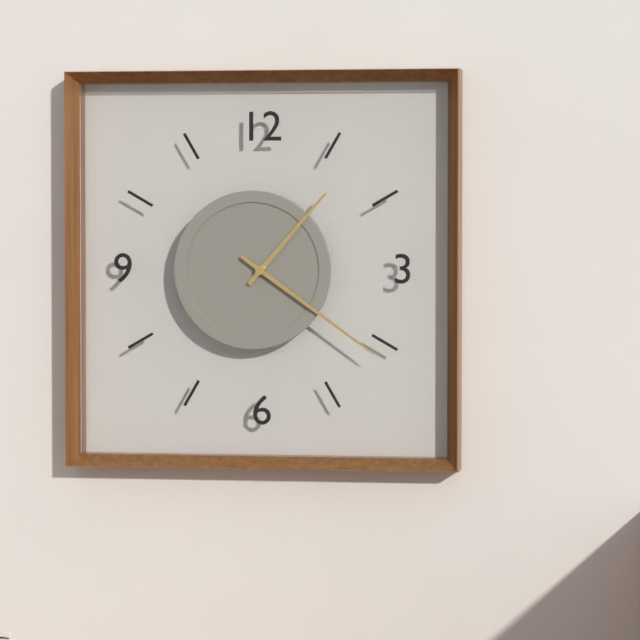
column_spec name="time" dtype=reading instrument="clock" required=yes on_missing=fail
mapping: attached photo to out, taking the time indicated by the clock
1:21
